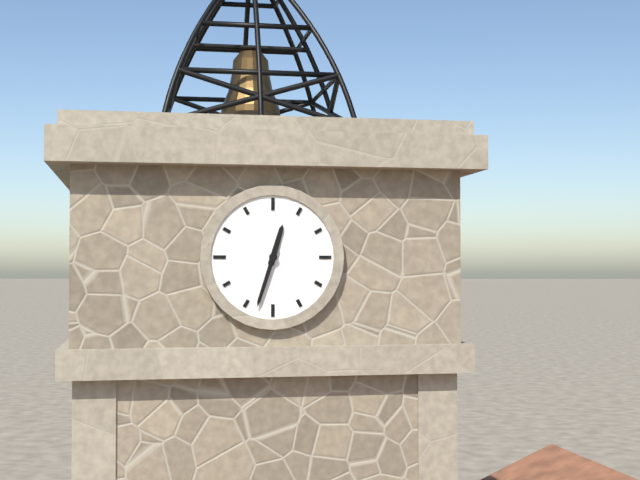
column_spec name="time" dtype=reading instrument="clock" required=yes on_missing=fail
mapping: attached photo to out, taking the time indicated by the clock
12:33
